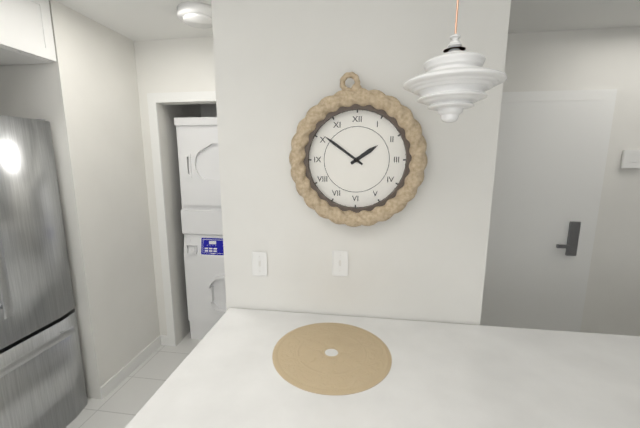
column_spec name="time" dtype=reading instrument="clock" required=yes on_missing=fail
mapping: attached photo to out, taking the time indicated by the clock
1:51
